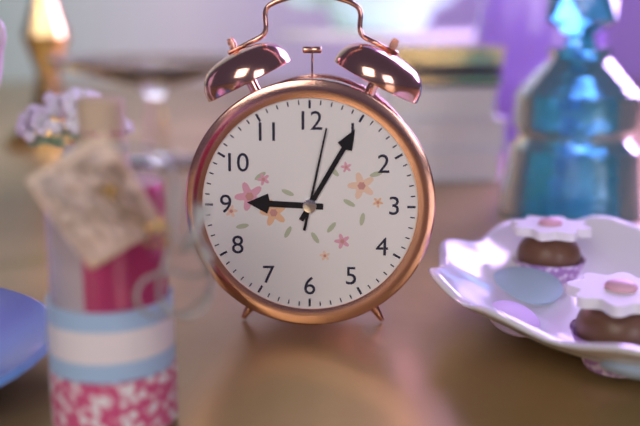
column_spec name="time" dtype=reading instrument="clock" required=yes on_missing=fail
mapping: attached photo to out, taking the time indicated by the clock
9:05:02
